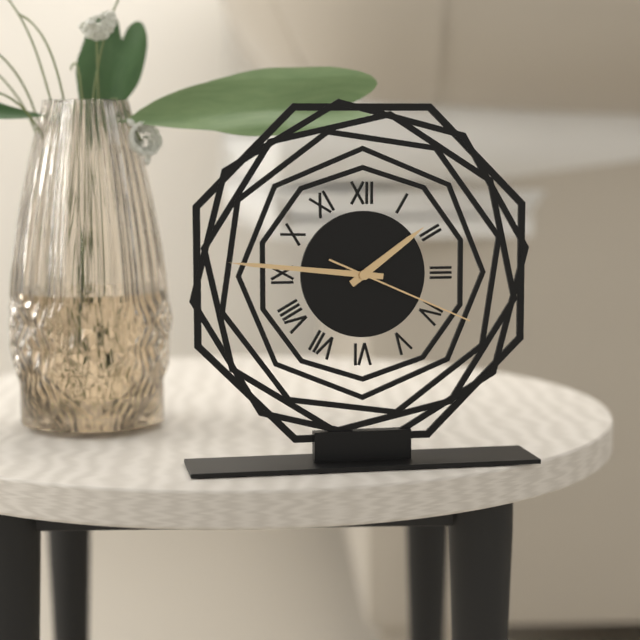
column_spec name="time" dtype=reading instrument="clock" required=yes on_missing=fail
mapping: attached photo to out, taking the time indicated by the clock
1:46:19
